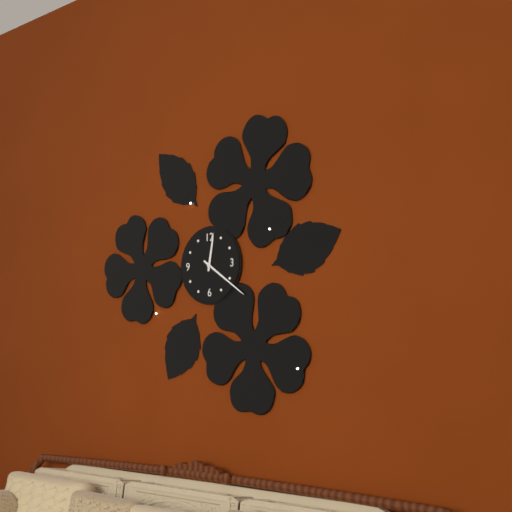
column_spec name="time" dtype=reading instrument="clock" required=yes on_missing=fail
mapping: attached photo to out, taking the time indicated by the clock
12:21
